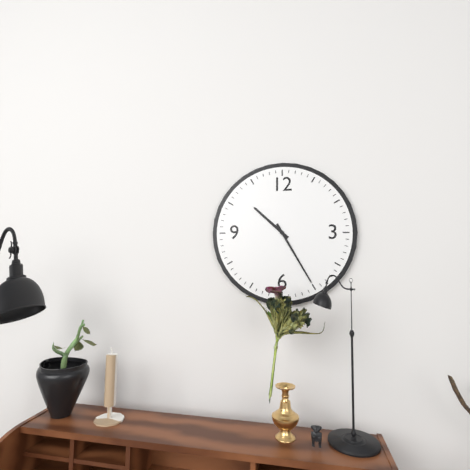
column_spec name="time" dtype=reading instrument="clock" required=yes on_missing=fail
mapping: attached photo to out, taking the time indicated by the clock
10:25
